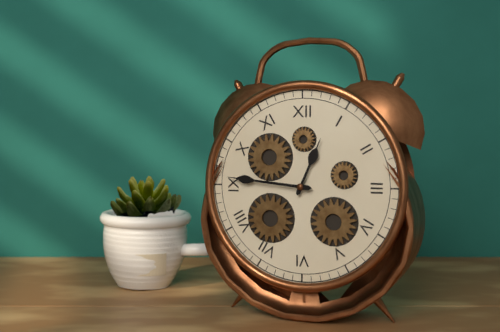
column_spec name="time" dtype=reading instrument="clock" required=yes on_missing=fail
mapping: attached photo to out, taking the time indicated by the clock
12:46
